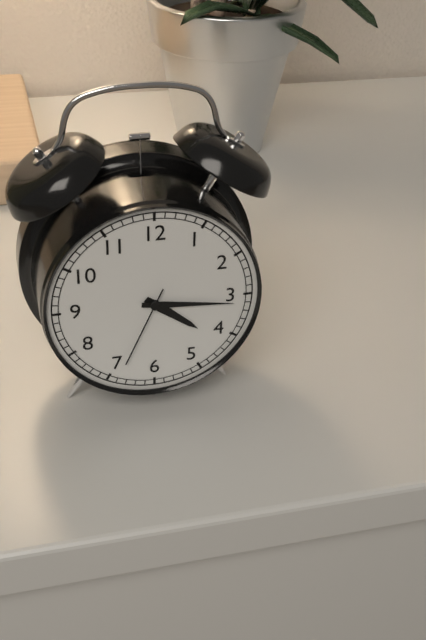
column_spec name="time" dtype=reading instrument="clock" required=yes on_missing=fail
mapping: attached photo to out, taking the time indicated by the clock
4:16:34
